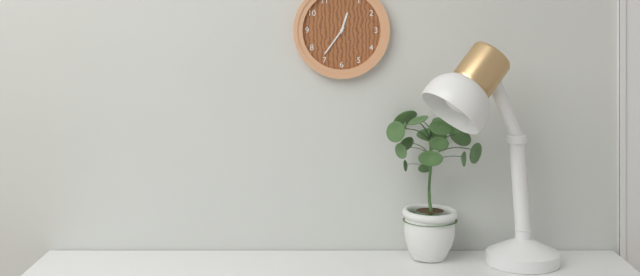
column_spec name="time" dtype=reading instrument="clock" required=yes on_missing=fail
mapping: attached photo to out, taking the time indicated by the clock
12:36
